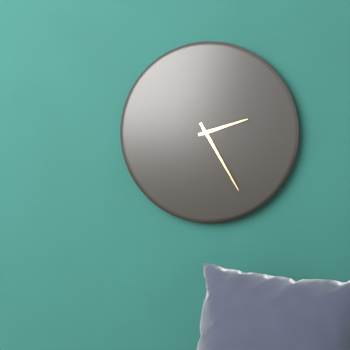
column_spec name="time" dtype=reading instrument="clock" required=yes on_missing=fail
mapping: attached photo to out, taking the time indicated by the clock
2:25
